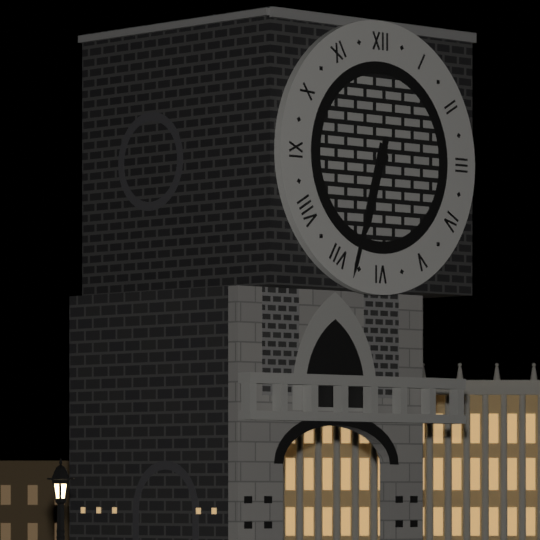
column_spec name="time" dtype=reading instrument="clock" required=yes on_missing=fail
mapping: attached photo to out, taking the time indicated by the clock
6:33
